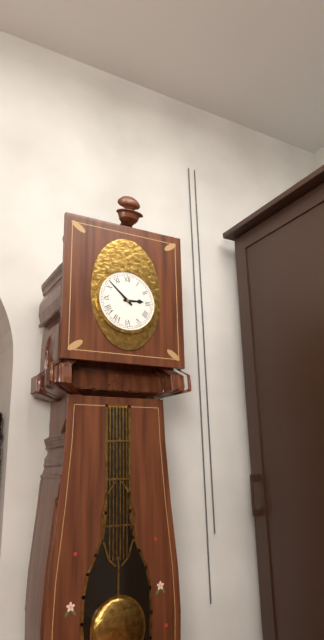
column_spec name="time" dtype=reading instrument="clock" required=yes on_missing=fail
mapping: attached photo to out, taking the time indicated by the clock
2:52
